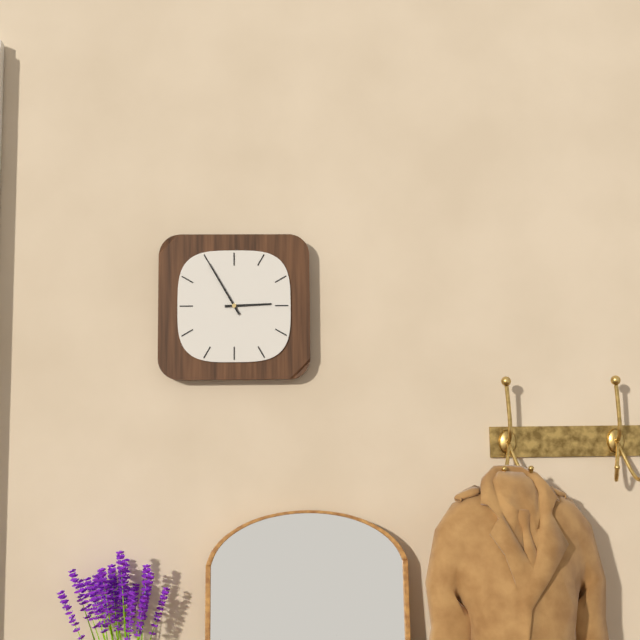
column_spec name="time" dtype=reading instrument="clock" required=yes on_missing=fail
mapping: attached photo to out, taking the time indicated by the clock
2:55
